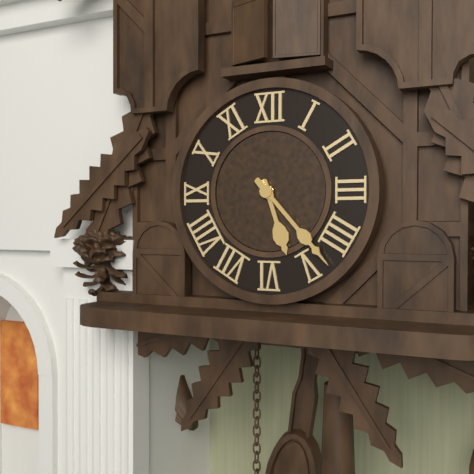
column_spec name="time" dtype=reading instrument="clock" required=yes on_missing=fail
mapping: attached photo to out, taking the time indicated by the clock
5:23
